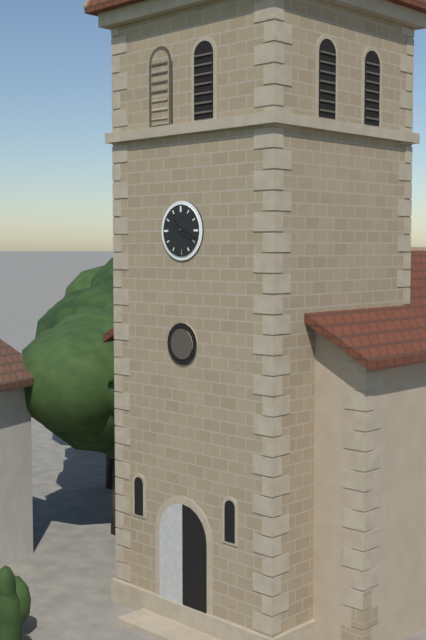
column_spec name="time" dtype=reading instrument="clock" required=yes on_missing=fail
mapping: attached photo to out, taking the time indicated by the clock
10:19
